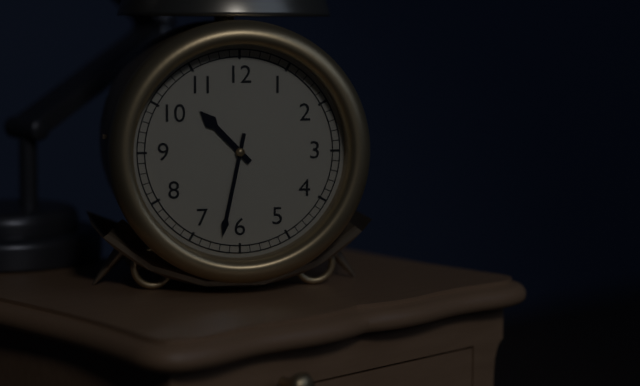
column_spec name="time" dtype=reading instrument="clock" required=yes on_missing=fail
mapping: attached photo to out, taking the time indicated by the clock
10:32
